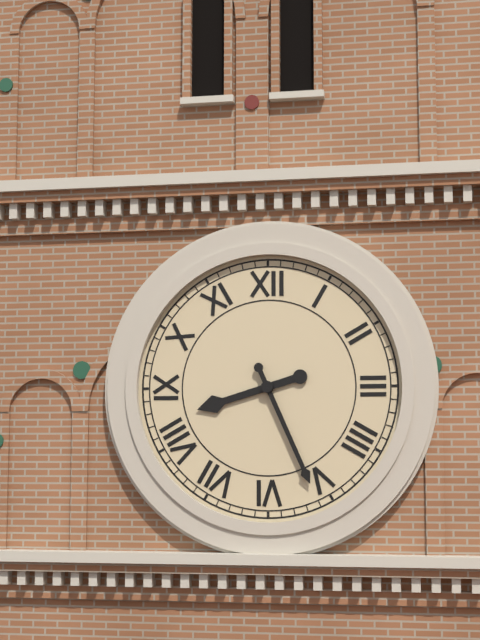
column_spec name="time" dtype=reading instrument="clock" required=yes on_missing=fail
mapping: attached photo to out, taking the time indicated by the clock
8:26
